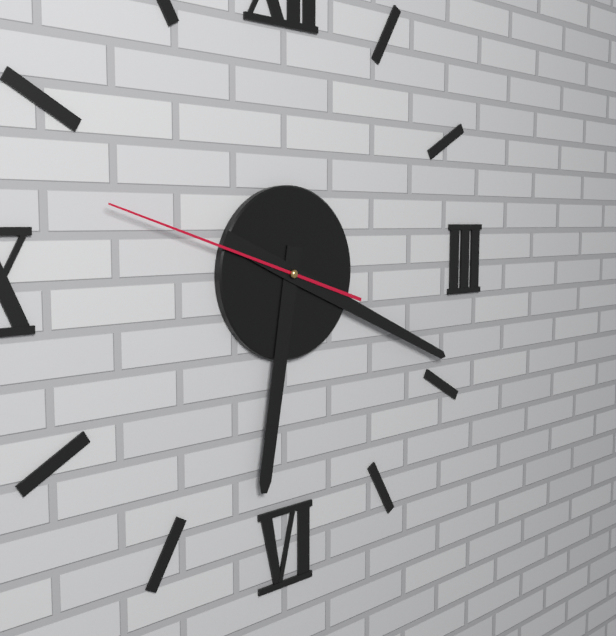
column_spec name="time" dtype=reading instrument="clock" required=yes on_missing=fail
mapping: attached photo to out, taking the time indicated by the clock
6:19:48
